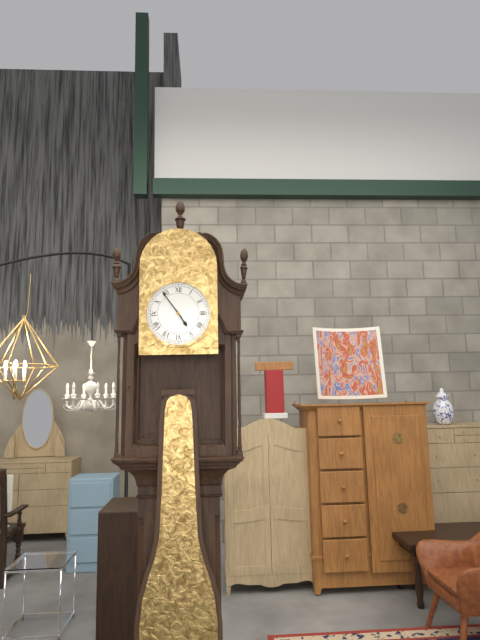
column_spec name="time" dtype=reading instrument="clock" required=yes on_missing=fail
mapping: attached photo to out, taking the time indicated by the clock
4:54
